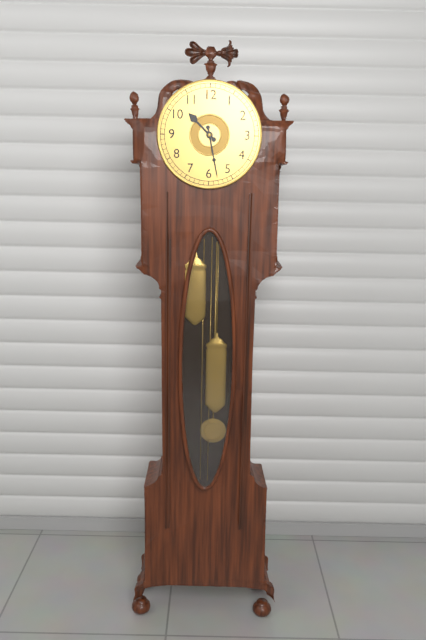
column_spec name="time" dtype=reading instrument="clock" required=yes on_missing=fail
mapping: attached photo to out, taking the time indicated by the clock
10:28
